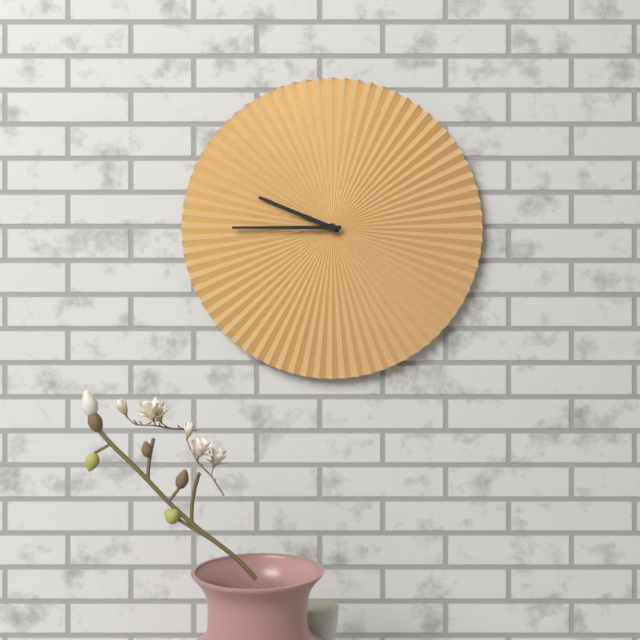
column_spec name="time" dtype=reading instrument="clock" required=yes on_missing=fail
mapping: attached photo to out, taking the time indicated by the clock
9:45
